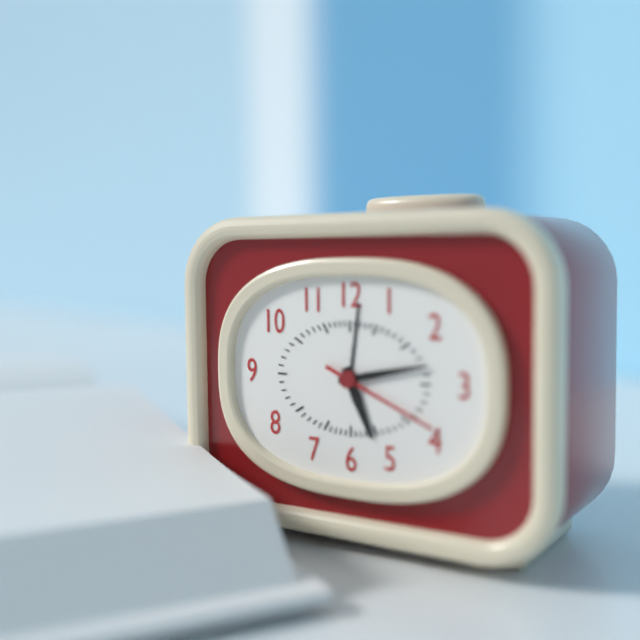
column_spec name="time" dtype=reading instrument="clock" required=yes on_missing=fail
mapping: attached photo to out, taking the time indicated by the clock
5:13:19
